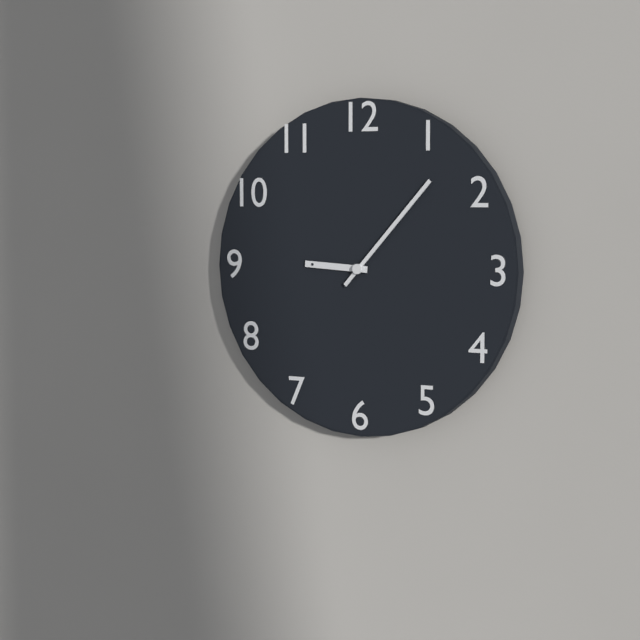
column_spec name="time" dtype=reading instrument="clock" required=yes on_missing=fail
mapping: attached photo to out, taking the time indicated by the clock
9:07
